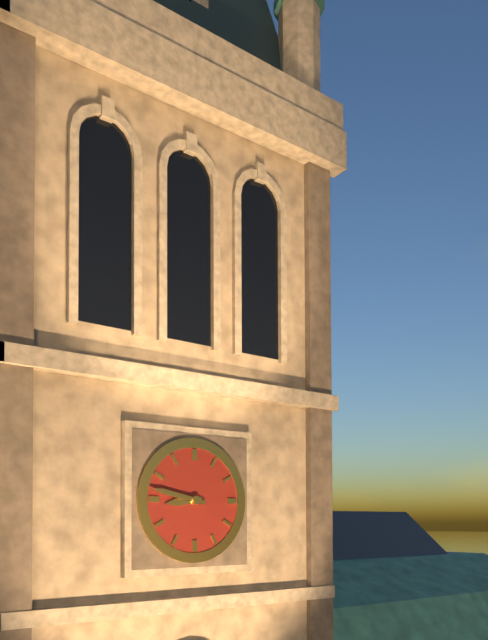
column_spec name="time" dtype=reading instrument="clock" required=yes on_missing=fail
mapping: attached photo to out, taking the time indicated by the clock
8:47
